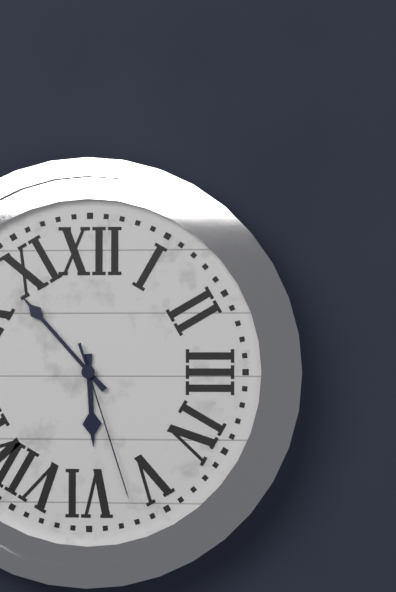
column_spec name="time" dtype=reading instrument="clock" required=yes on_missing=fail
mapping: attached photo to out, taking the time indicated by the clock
5:53:27
